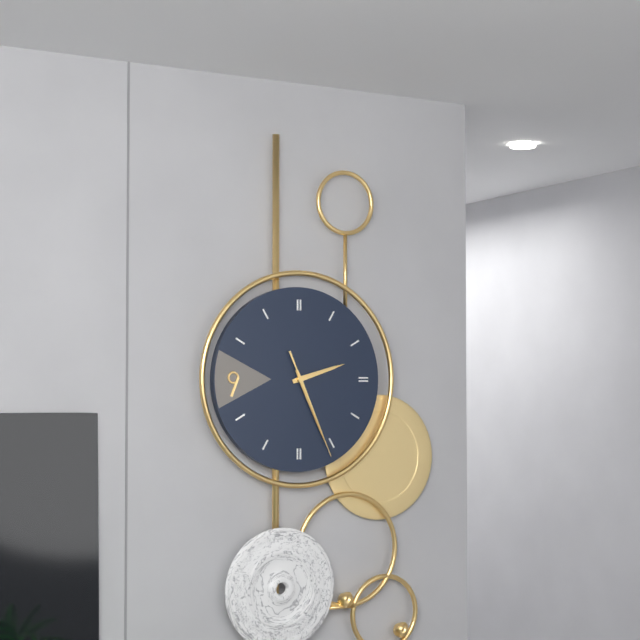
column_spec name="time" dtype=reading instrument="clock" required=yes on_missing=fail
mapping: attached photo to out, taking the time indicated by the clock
2:26:26
